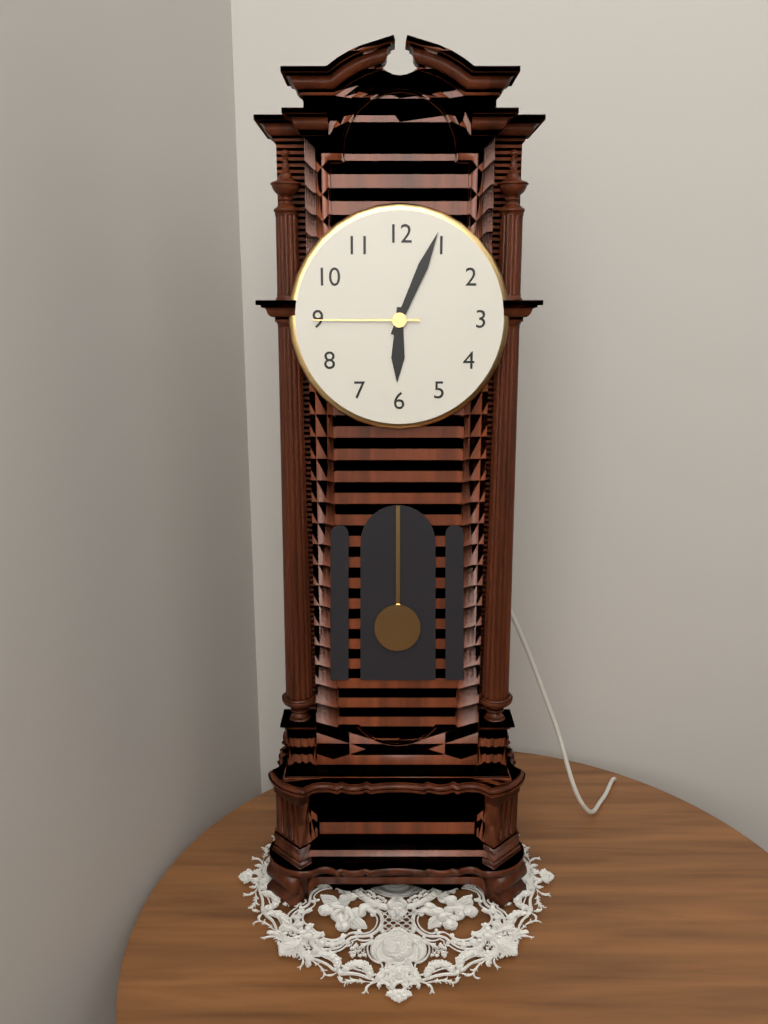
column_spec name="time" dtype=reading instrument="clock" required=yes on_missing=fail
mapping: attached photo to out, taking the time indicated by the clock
6:04:45
